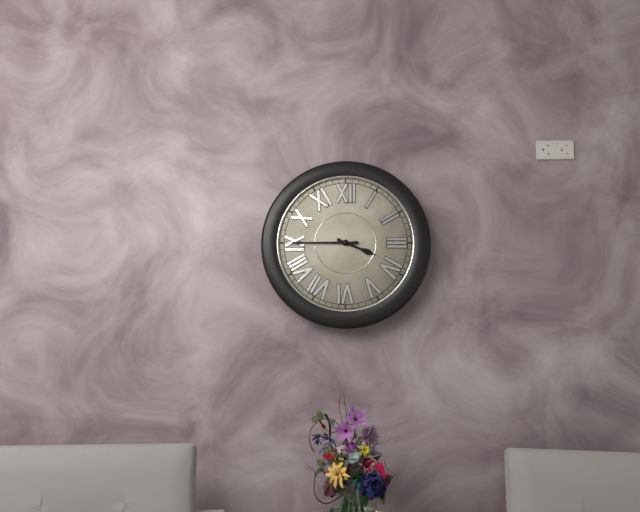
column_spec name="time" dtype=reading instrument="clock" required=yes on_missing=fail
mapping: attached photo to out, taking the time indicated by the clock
3:45
